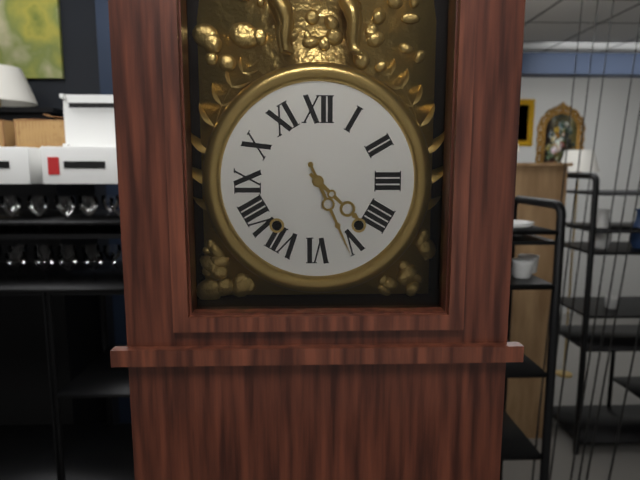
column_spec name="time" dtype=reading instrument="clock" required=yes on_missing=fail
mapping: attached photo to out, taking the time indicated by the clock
4:26
